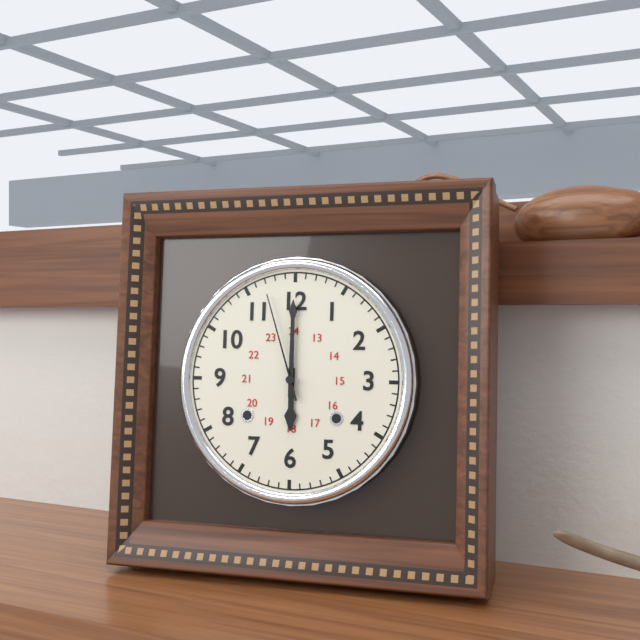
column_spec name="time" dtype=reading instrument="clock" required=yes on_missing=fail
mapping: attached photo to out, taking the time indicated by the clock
6:00:57
